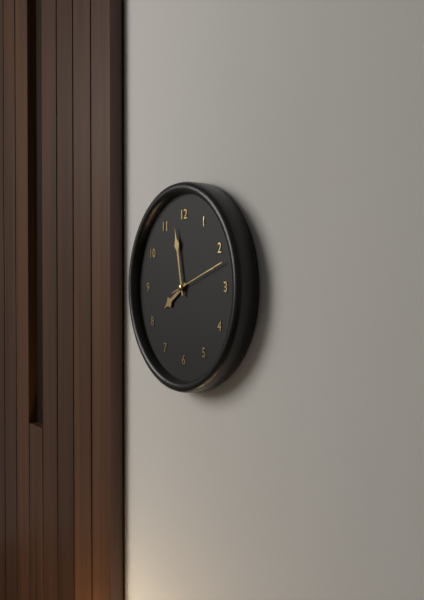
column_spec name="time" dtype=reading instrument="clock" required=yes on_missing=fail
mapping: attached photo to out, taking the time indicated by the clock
7:58
